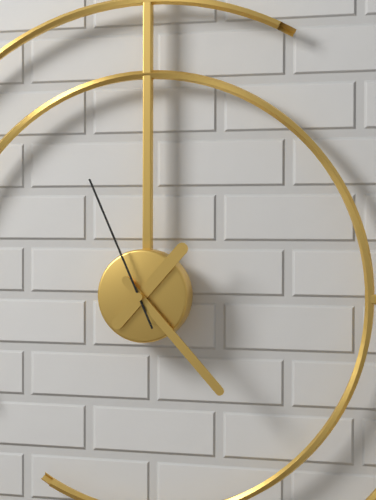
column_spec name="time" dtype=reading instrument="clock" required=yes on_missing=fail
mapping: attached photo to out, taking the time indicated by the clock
1:23:56
